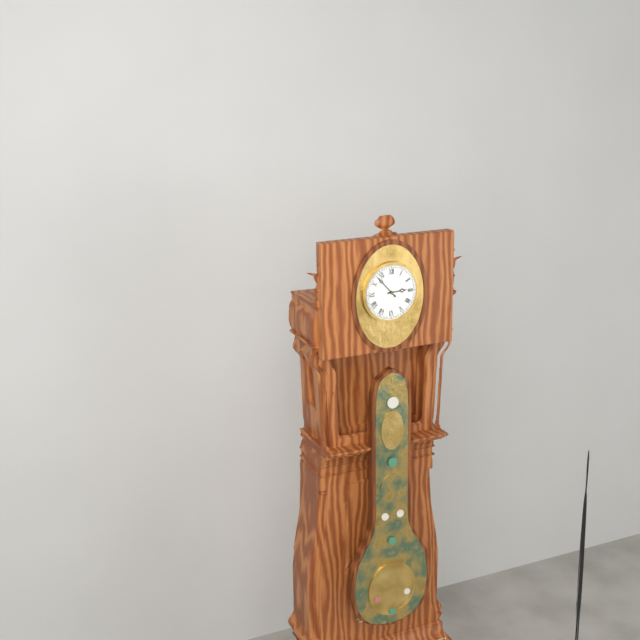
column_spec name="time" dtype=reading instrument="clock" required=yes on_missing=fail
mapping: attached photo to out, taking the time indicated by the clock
2:53
